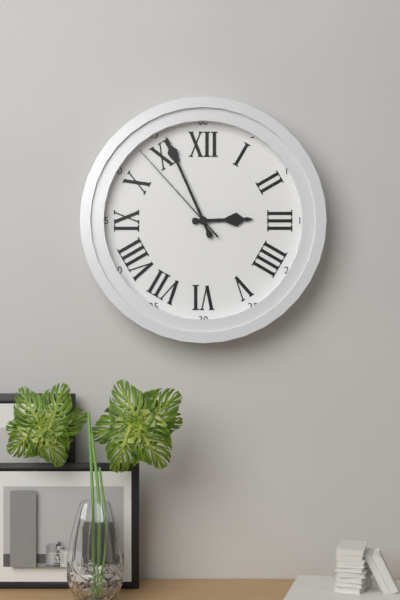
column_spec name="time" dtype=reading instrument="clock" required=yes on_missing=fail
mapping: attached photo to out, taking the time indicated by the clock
2:56:53
